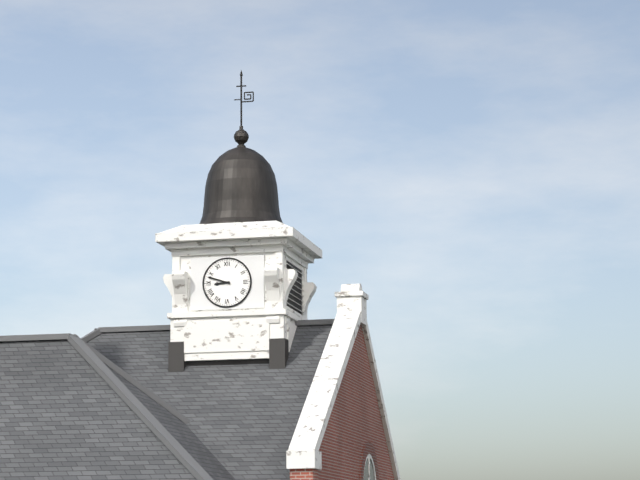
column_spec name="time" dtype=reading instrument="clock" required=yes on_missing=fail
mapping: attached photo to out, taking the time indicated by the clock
8:48
